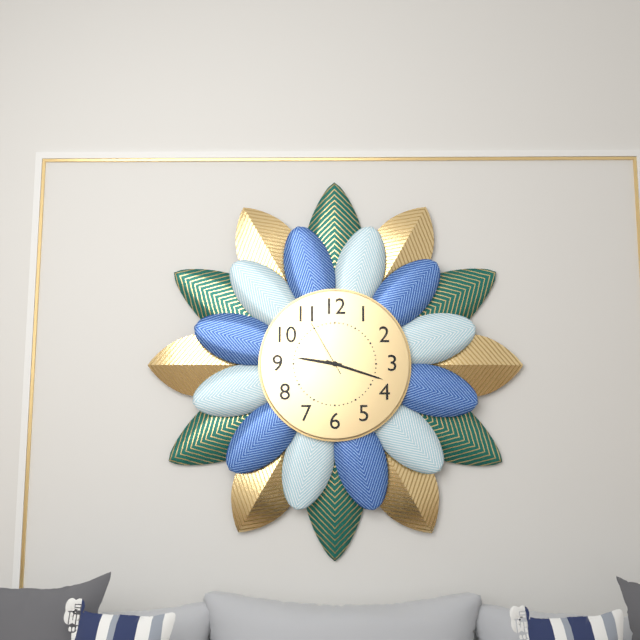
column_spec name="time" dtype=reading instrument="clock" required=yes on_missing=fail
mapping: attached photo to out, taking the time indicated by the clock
9:18:55
